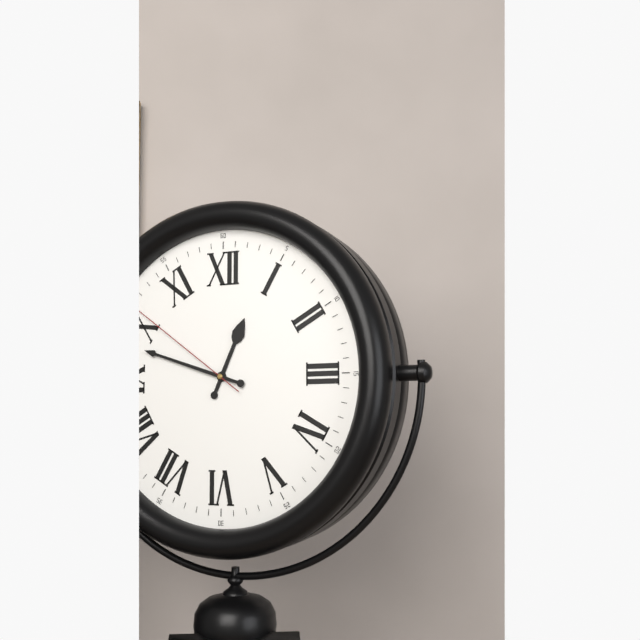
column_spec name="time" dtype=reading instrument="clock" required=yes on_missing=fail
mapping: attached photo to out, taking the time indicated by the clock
12:48:51
